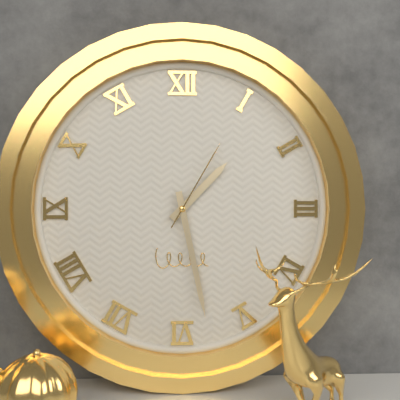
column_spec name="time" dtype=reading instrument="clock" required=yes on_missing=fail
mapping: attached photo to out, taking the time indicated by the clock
1:28:05
